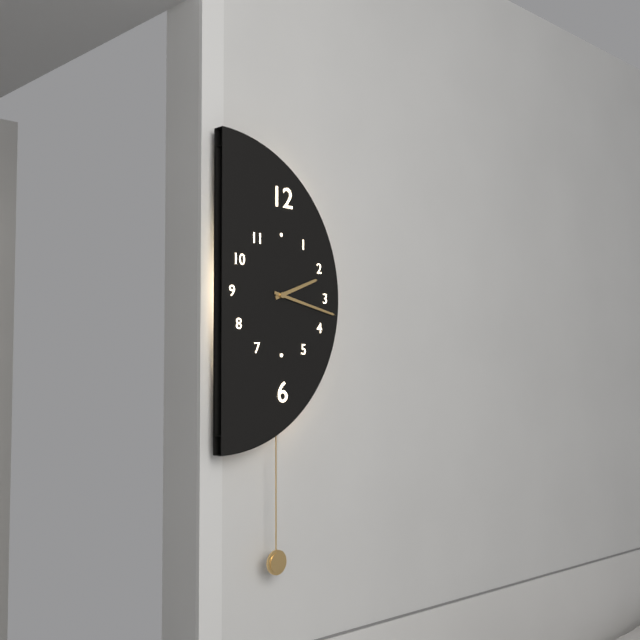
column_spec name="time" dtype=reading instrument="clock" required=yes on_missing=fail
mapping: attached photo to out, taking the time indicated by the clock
2:17
